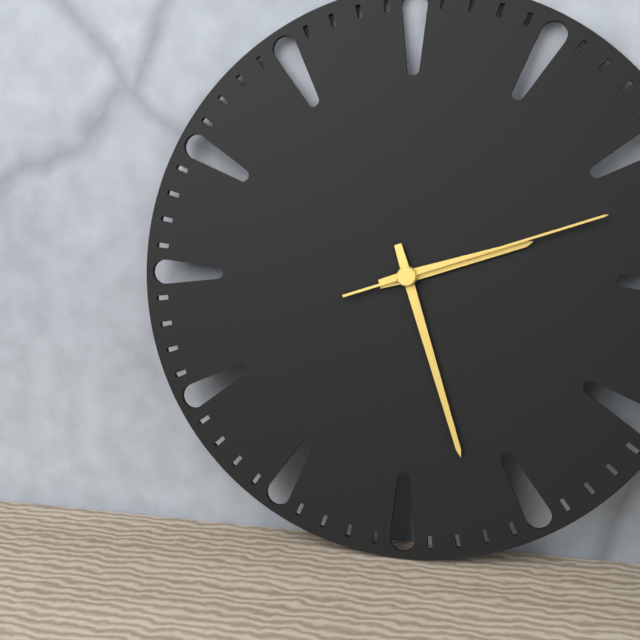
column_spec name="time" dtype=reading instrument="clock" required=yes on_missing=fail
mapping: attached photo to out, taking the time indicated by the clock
2:27:12
